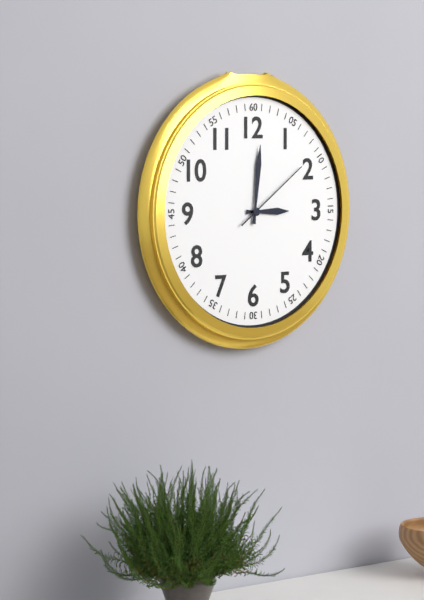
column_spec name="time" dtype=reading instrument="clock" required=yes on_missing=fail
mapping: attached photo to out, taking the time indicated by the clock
3:01:09
